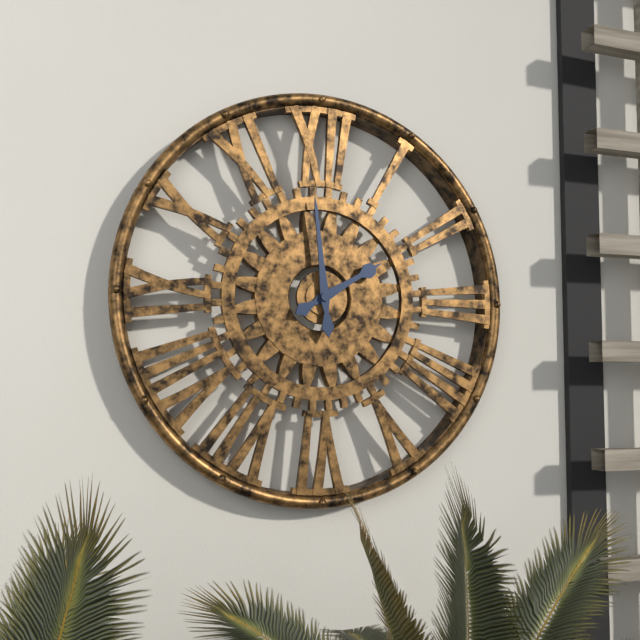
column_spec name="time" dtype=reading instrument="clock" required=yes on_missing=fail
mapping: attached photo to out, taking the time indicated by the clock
1:59
